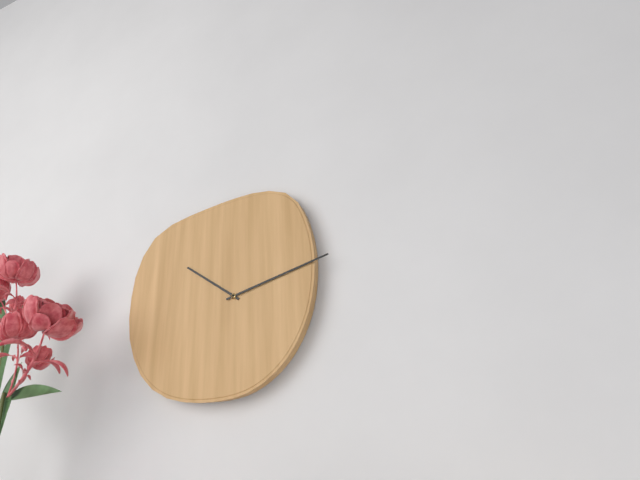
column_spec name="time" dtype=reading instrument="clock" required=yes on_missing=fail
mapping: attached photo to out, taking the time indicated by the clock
10:13
